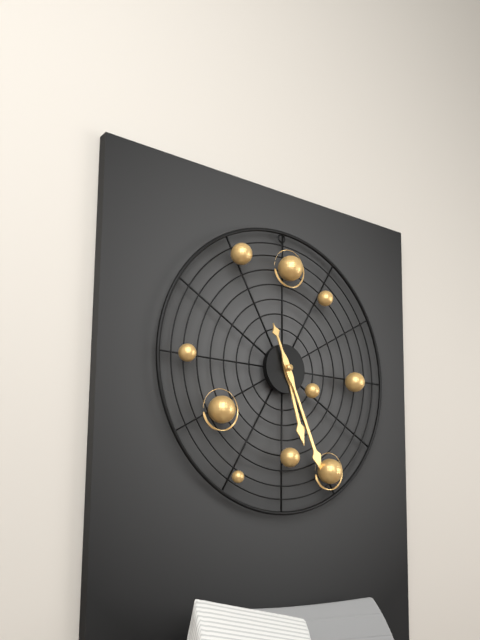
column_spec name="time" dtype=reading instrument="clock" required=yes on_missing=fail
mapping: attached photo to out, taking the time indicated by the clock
5:26
